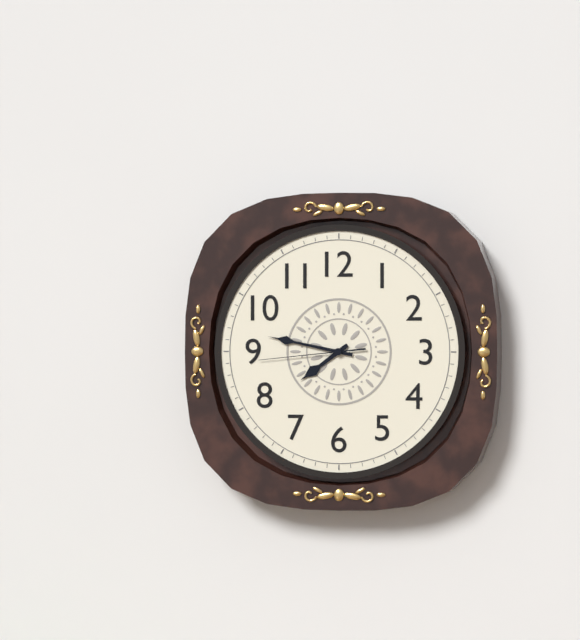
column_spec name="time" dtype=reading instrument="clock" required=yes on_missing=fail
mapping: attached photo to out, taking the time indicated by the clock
7:47:44
